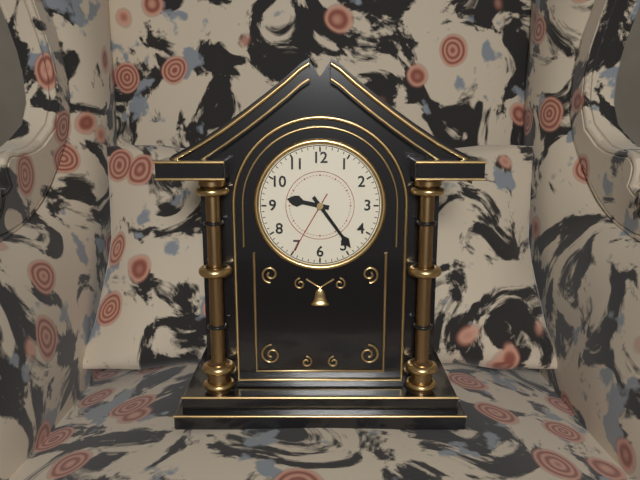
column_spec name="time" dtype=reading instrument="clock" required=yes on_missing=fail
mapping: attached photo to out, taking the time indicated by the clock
9:24:35
